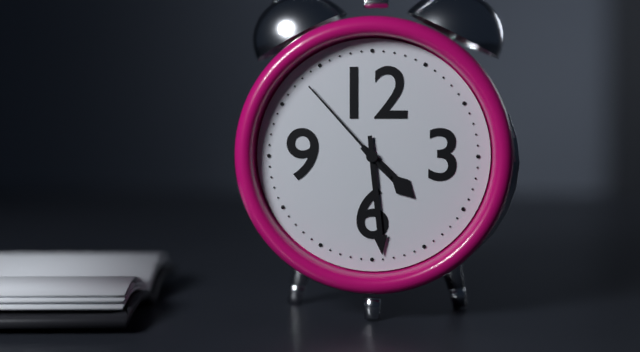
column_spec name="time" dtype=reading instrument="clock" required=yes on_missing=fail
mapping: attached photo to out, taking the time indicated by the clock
4:29:53
